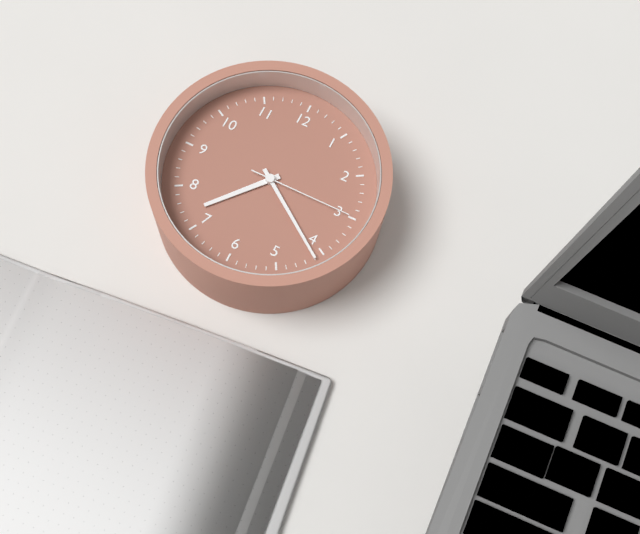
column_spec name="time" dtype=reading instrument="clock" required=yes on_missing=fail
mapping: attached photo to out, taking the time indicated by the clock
7:21:15
